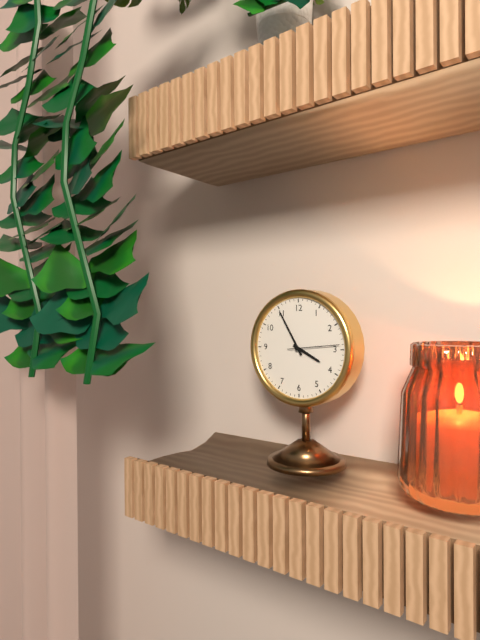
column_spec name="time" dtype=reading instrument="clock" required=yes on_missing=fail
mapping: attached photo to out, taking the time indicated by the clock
3:55:14
